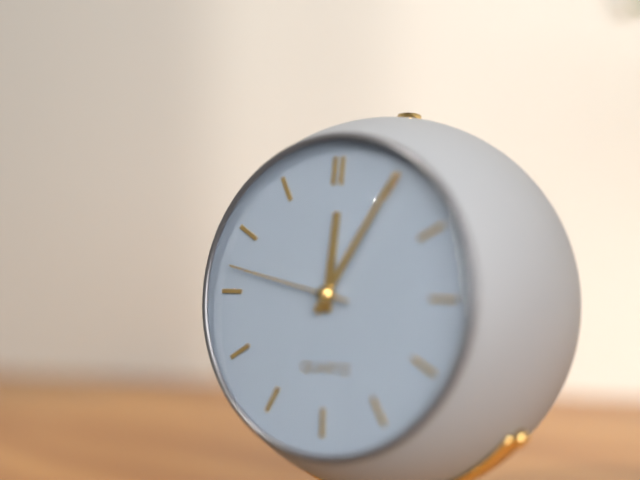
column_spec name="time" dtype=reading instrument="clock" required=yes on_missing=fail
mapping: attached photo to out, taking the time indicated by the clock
12:05:47
